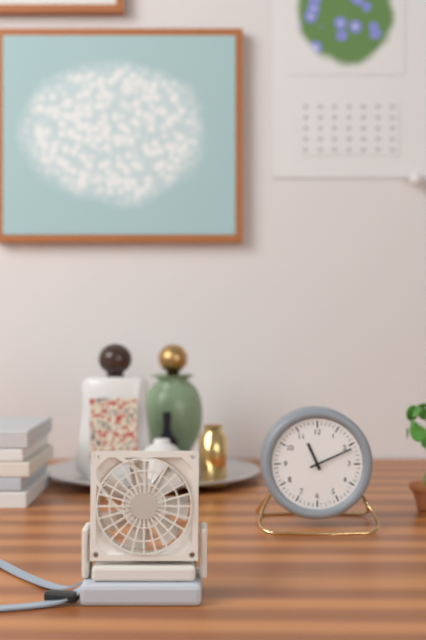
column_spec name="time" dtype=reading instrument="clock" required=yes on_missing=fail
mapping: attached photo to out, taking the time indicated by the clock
11:11
